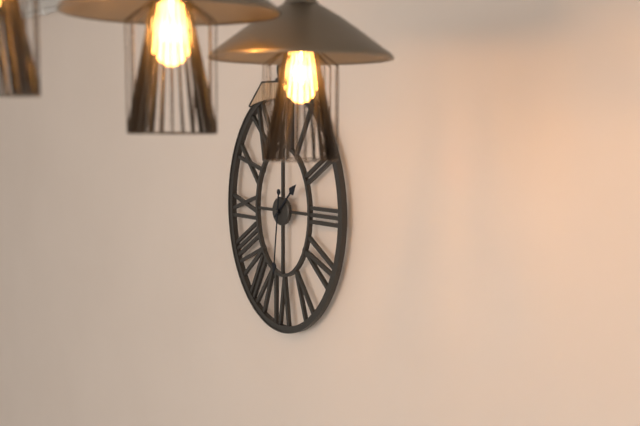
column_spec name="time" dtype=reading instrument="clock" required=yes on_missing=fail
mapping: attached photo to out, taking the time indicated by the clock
1:31
